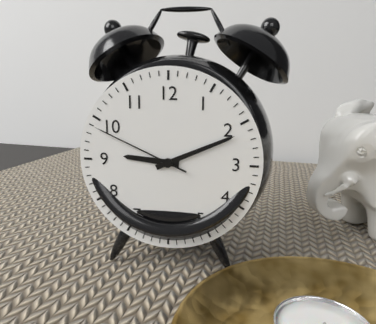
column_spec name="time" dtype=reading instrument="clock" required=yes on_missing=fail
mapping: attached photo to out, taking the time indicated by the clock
9:11:49
